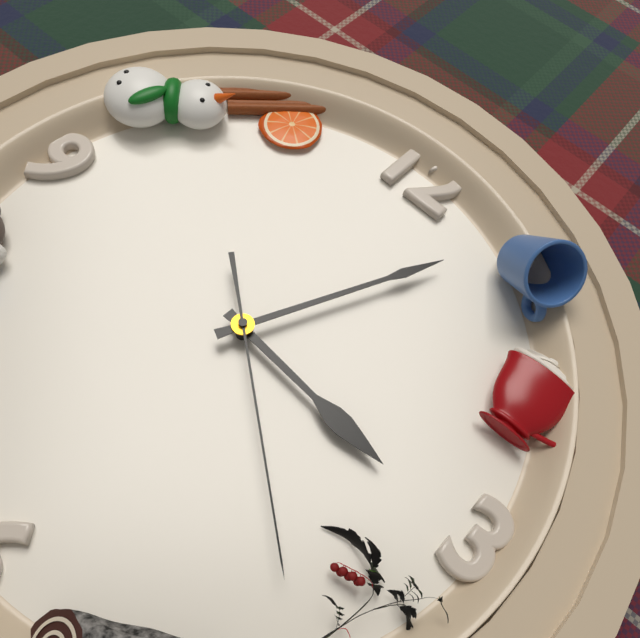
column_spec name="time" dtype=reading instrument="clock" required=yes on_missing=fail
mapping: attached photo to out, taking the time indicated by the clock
3:04:21
